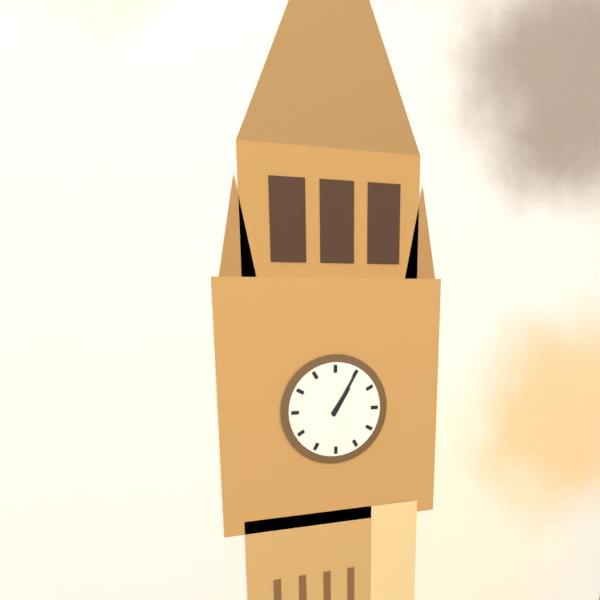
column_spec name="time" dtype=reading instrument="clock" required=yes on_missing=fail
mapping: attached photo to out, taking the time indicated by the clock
1:05
